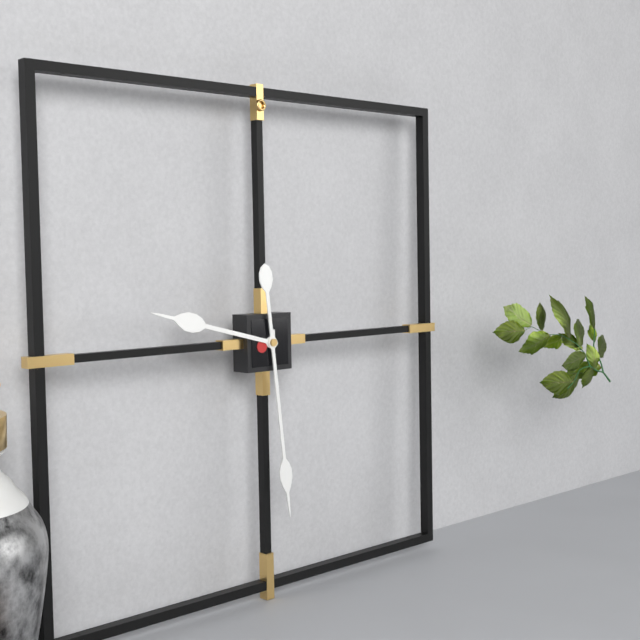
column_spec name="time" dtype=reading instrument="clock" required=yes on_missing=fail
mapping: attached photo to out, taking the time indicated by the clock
9:29
